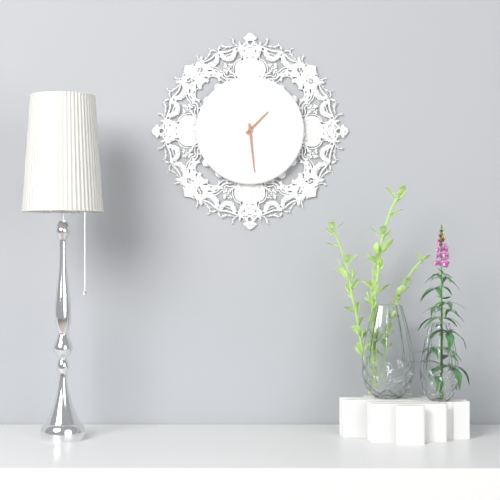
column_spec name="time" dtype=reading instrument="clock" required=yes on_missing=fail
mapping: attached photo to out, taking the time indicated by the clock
1:29
